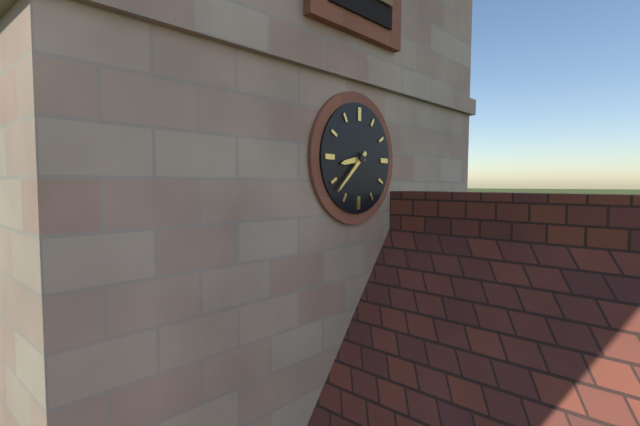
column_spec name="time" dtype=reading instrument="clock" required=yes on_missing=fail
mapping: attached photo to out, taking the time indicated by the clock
8:38
